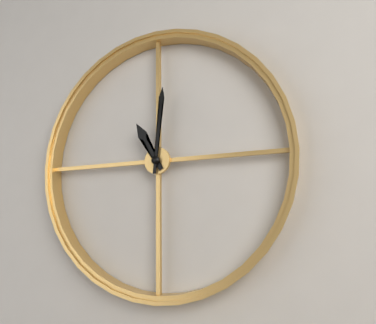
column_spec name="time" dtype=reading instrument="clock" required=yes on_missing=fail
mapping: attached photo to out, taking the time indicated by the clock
11:01
